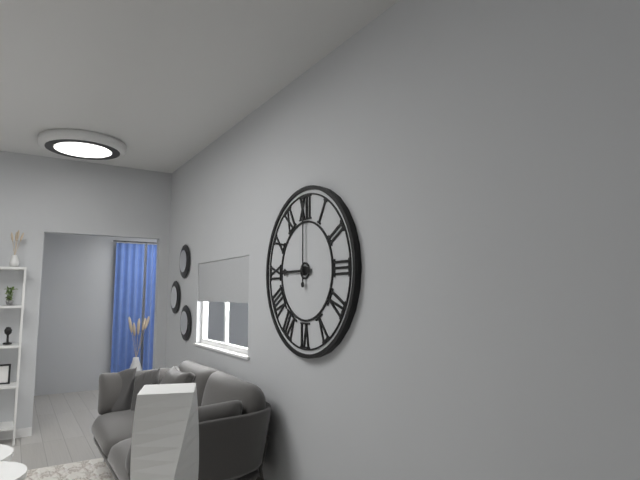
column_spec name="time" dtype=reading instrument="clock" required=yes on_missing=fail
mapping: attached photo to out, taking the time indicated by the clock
9:00
